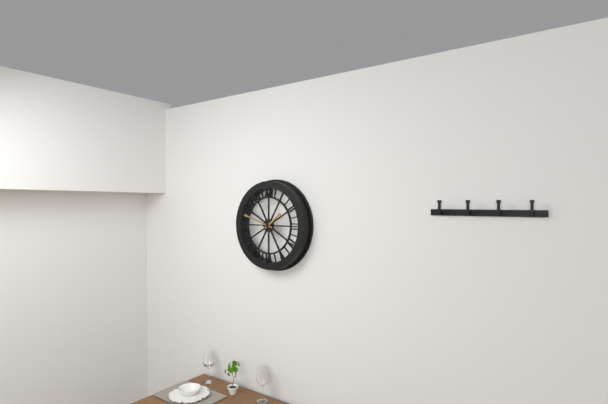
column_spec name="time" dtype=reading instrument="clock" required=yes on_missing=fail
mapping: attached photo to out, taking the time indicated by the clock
1:48
